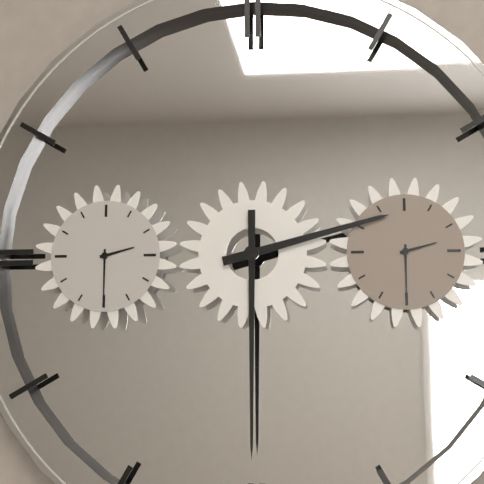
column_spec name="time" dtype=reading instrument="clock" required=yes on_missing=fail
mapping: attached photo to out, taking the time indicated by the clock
2:30
